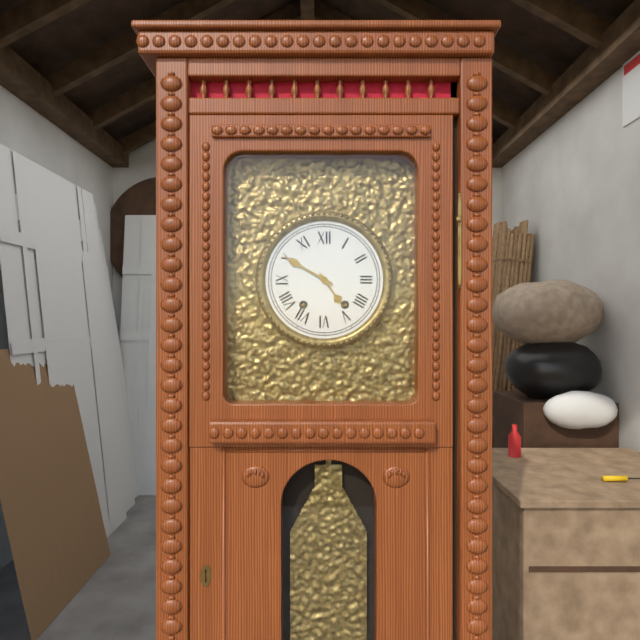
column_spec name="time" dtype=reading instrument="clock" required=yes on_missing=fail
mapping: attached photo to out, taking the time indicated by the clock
4:50
